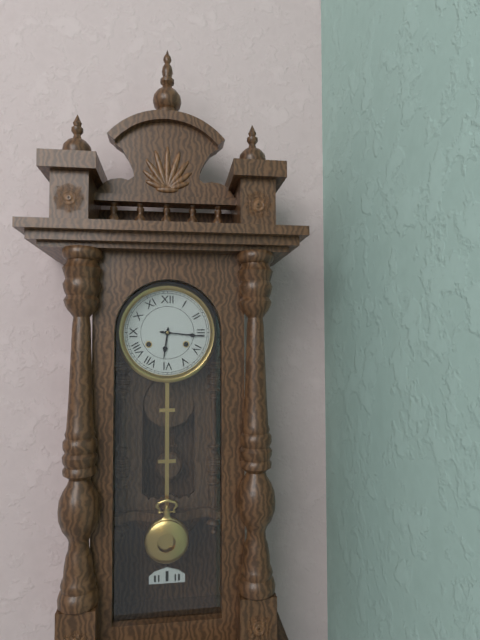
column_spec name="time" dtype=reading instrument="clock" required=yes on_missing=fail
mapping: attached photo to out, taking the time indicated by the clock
6:16
